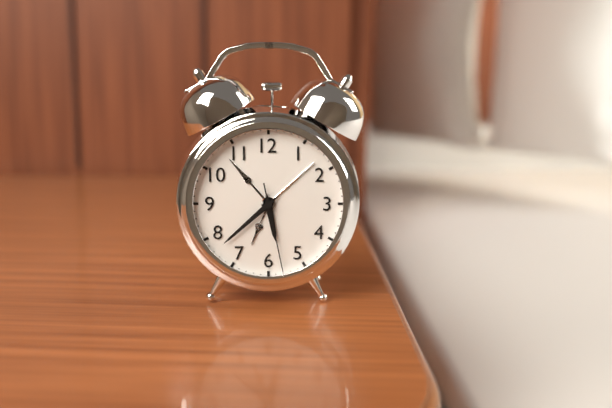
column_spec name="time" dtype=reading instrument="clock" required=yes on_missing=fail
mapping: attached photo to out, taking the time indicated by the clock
5:38:28
